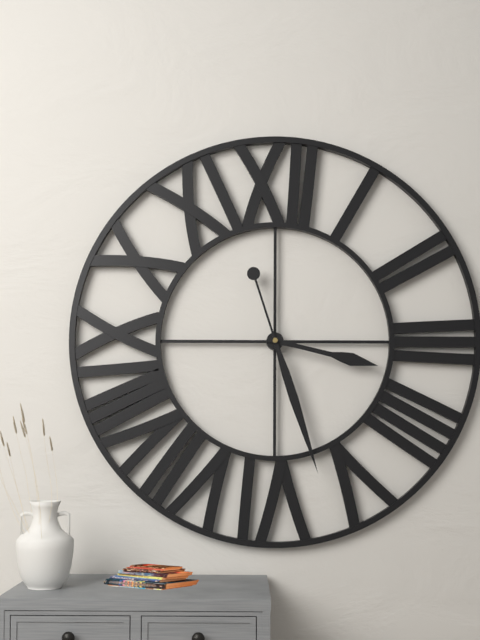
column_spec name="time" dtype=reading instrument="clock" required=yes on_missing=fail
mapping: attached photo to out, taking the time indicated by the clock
3:27
